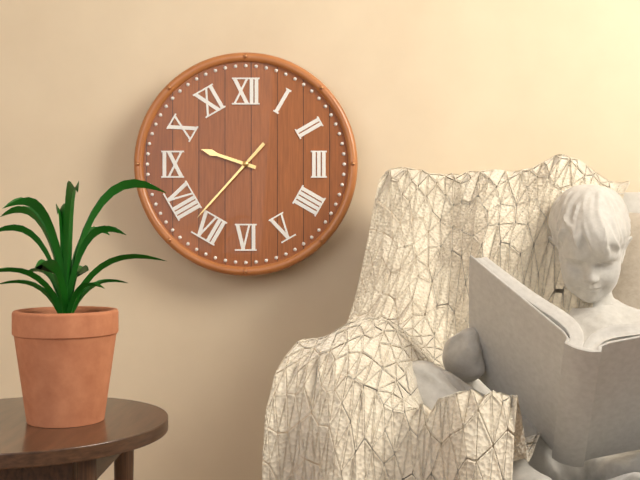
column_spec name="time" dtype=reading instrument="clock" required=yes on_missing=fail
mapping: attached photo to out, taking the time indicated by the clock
9:37
